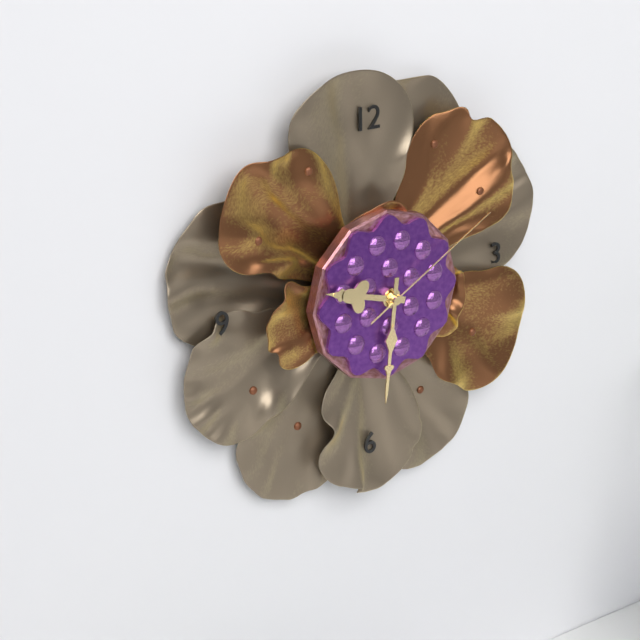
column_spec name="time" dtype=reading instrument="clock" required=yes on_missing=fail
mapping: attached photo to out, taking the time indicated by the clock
9:31:10
